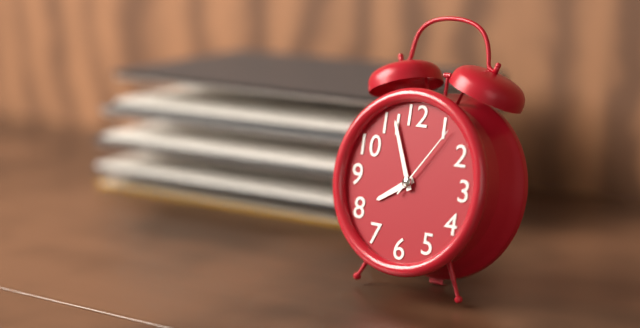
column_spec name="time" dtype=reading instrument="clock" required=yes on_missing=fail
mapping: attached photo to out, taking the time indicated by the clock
7:56:06
